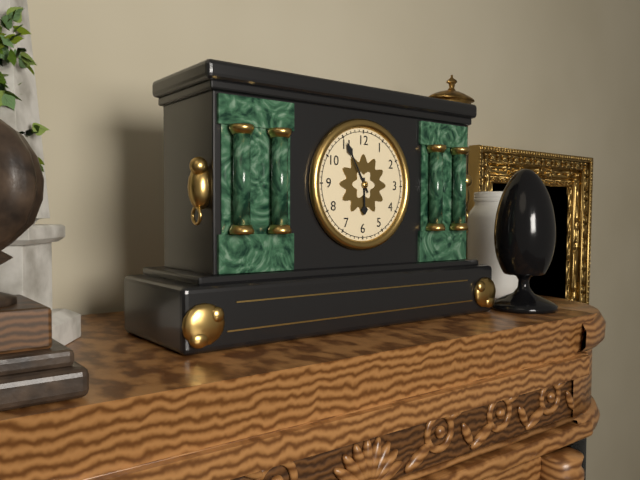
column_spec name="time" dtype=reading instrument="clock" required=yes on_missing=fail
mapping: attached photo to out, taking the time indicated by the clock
5:55
